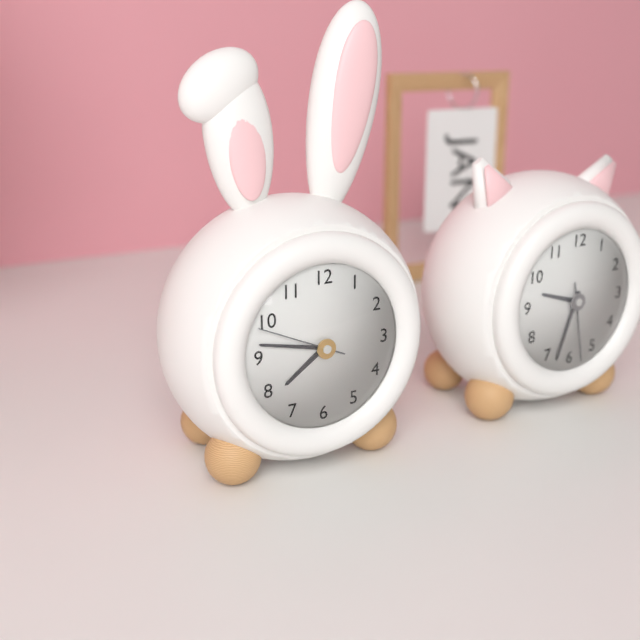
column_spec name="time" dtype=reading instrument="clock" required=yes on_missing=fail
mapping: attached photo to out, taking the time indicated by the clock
7:47:49
